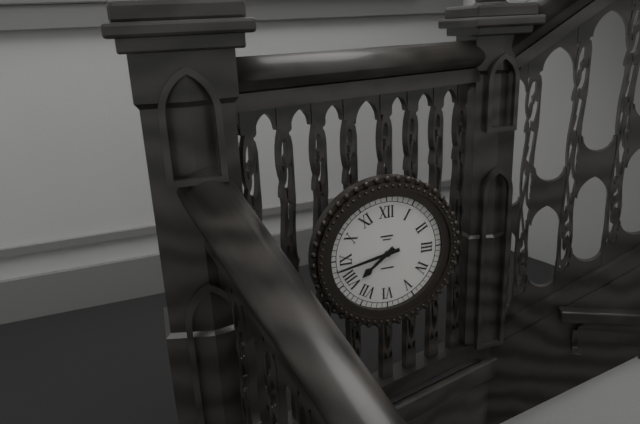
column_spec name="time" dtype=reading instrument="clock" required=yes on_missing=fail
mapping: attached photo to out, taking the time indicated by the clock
7:43
